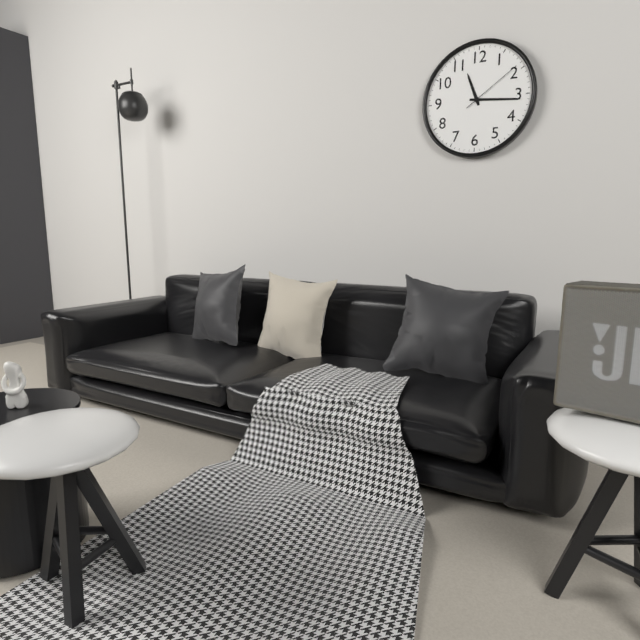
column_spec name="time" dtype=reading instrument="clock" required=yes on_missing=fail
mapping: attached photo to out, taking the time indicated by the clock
11:16:09
